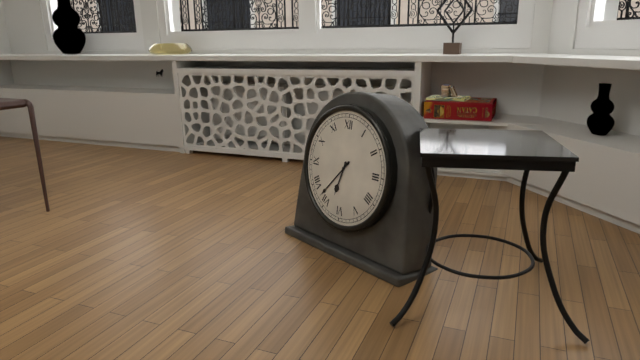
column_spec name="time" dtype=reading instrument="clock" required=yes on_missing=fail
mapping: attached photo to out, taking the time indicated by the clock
6:37
